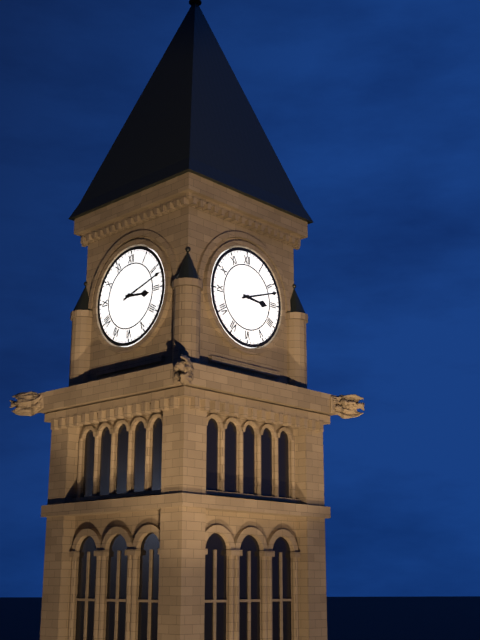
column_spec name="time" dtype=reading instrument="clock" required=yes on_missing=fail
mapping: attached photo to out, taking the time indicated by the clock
3:12
